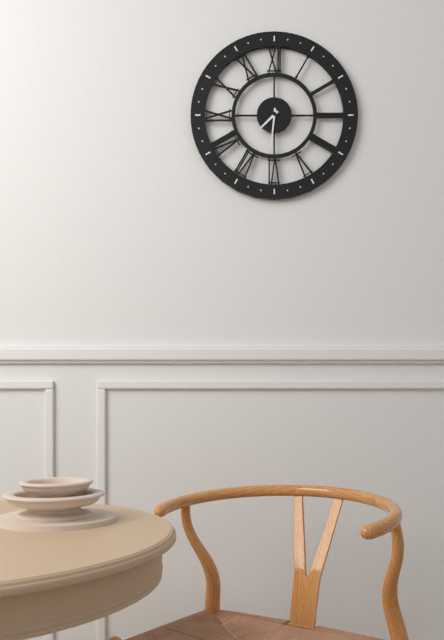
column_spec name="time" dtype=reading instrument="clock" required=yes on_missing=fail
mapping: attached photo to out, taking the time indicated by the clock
7:31
